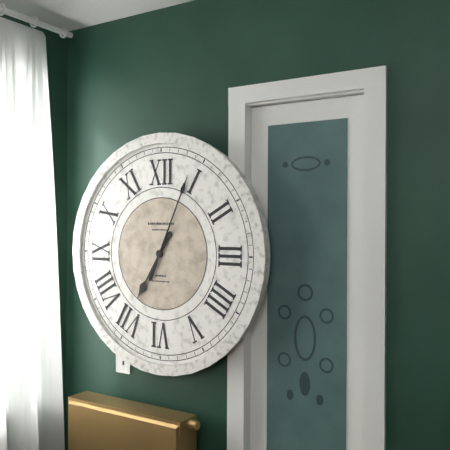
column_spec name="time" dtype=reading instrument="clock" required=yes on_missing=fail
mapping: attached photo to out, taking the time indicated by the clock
7:04
